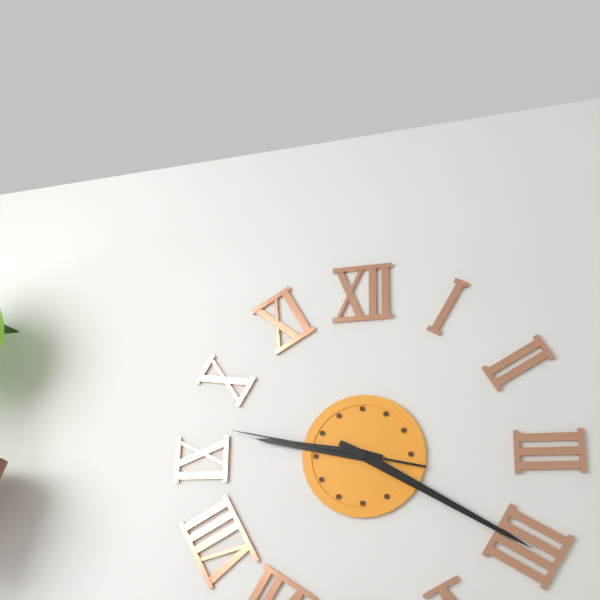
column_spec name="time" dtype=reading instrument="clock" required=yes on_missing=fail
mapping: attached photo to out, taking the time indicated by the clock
9:20:47
